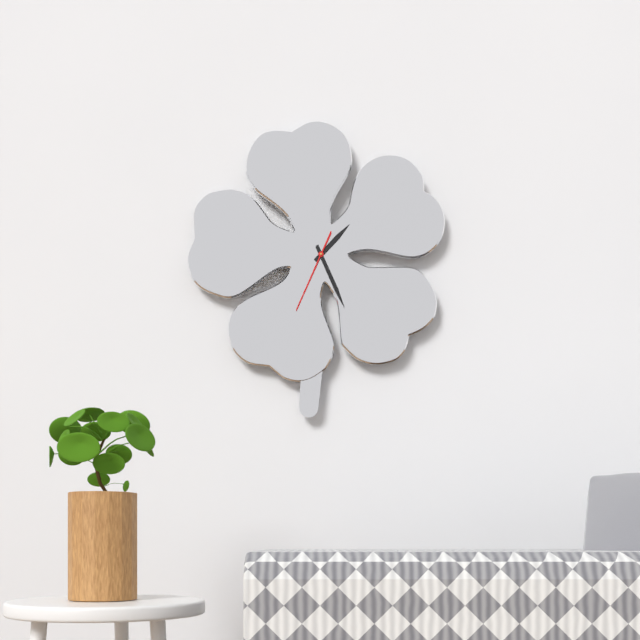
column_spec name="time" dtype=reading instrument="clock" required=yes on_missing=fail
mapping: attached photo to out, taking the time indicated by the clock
1:26:34
